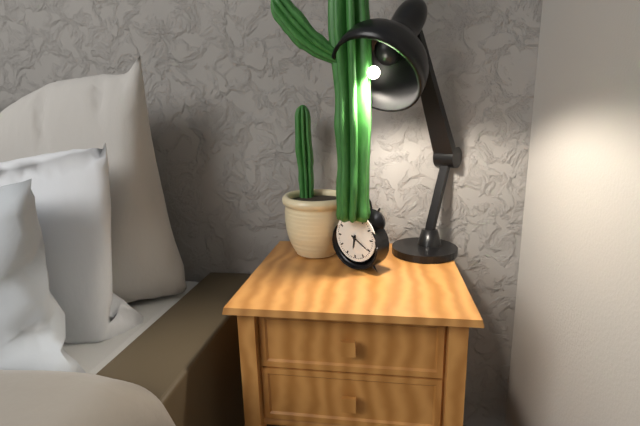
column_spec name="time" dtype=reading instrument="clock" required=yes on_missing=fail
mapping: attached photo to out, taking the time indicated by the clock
6:20
